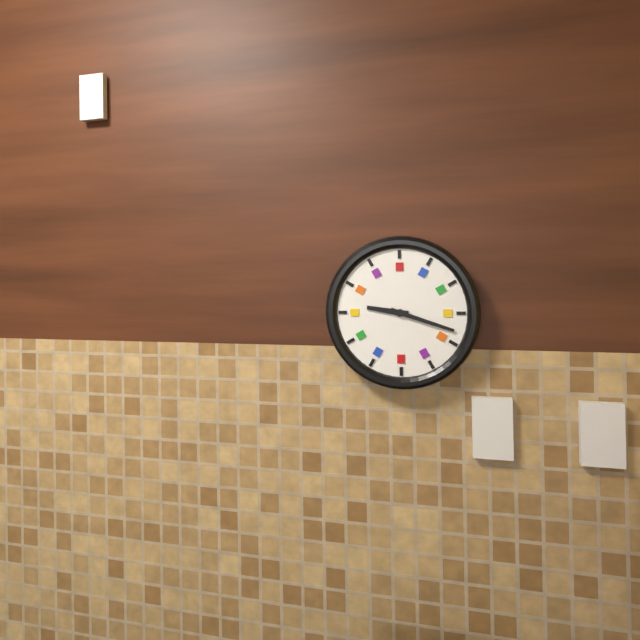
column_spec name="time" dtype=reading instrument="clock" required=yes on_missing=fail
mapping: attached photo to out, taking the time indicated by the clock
9:18
